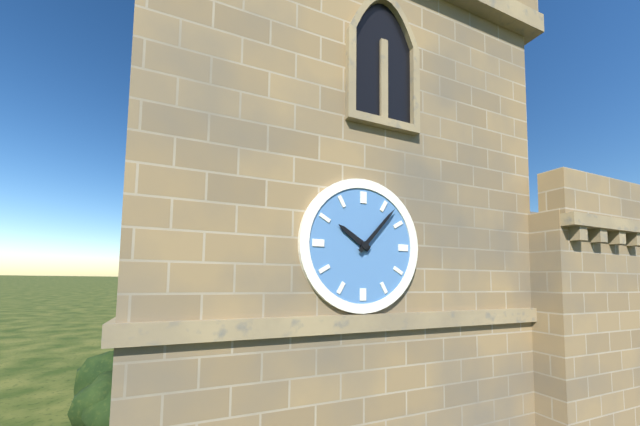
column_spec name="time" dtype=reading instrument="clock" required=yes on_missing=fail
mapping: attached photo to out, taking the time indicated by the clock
10:07
